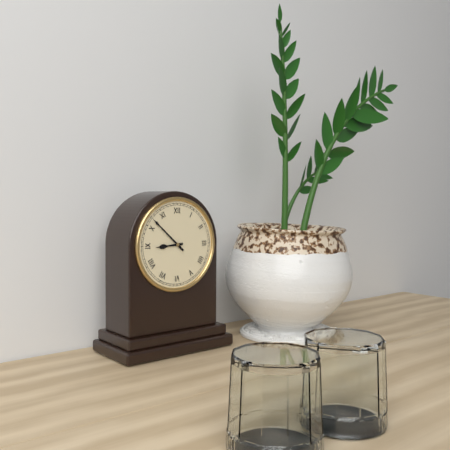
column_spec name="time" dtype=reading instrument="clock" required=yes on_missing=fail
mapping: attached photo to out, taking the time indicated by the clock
8:52
